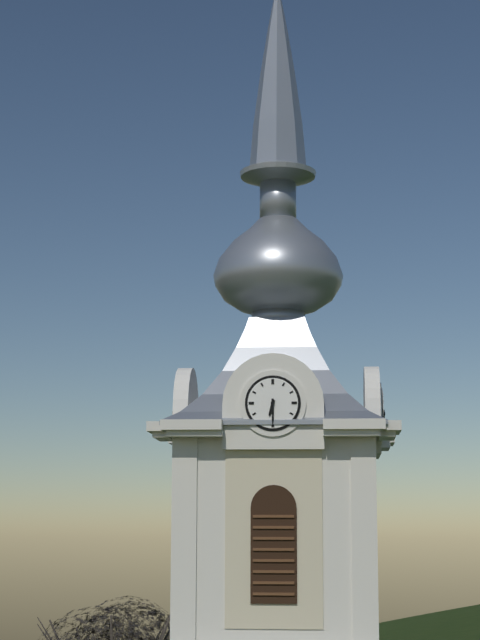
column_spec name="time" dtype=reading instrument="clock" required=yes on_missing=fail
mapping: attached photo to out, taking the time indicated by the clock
6:30
